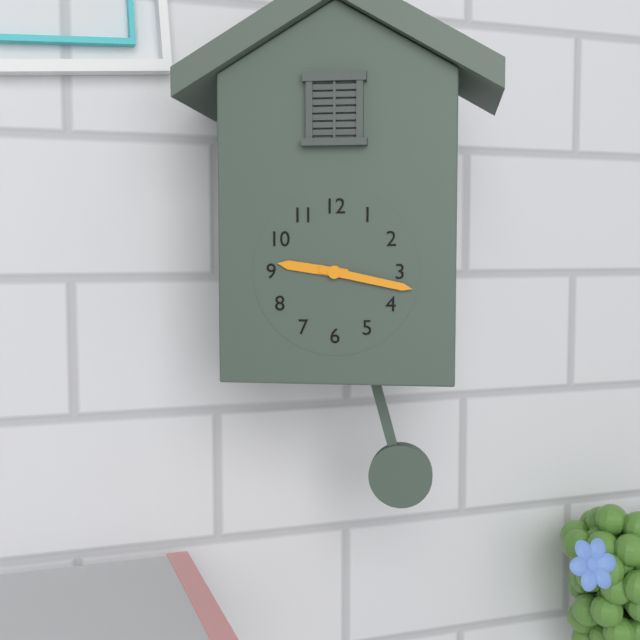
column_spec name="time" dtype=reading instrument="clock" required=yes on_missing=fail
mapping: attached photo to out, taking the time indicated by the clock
9:17
